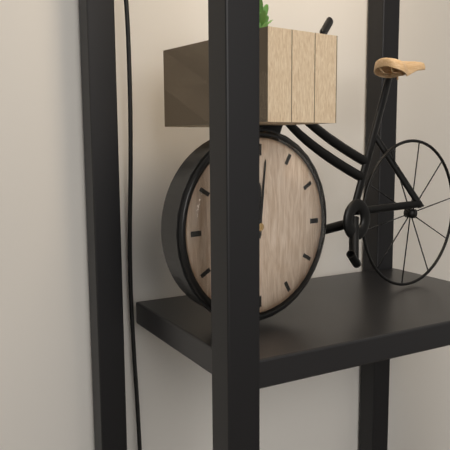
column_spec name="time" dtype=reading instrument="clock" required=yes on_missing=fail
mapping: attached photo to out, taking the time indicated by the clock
12:01
